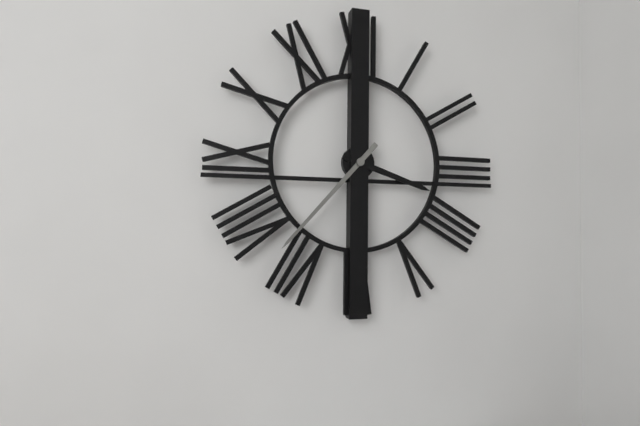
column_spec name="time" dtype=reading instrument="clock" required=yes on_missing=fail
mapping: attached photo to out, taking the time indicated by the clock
3:37
